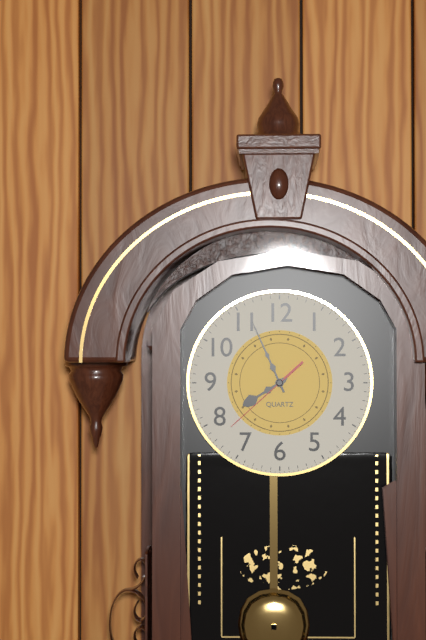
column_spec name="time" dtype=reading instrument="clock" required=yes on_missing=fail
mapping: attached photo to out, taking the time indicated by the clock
7:56:38
